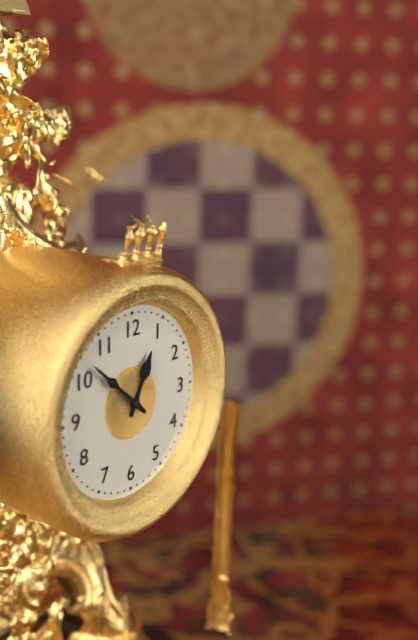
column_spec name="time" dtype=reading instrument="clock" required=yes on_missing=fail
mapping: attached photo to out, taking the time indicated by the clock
12:52
